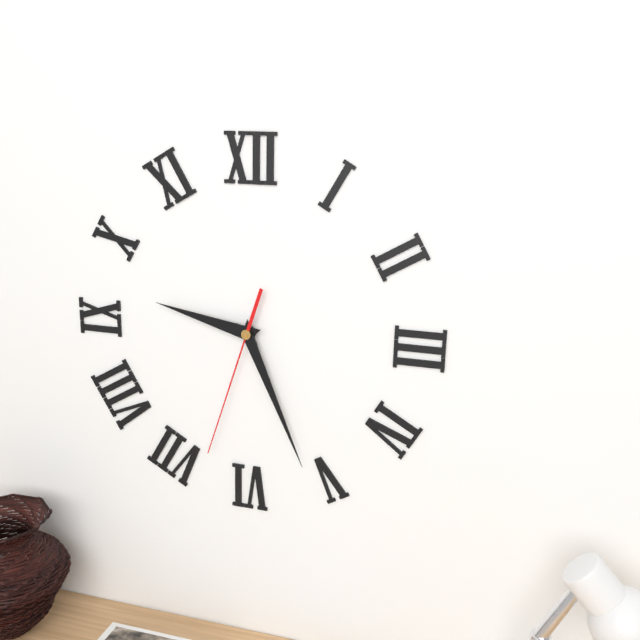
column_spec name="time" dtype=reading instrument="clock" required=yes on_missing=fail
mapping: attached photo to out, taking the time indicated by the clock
9:26:33
